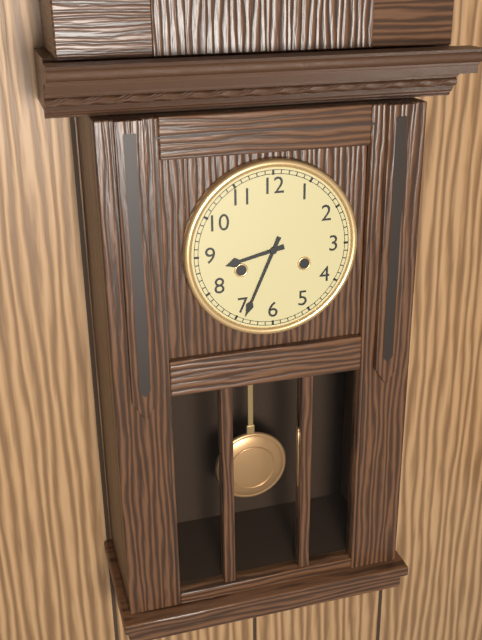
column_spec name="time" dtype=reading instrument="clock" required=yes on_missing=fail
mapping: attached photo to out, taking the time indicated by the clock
8:34
